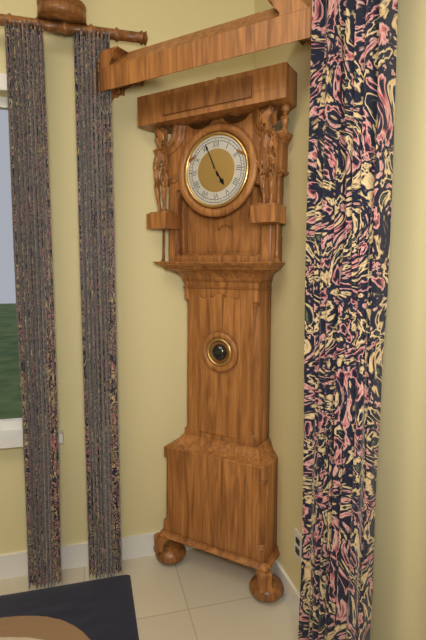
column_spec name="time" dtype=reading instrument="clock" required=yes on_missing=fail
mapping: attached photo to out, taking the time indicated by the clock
4:56
